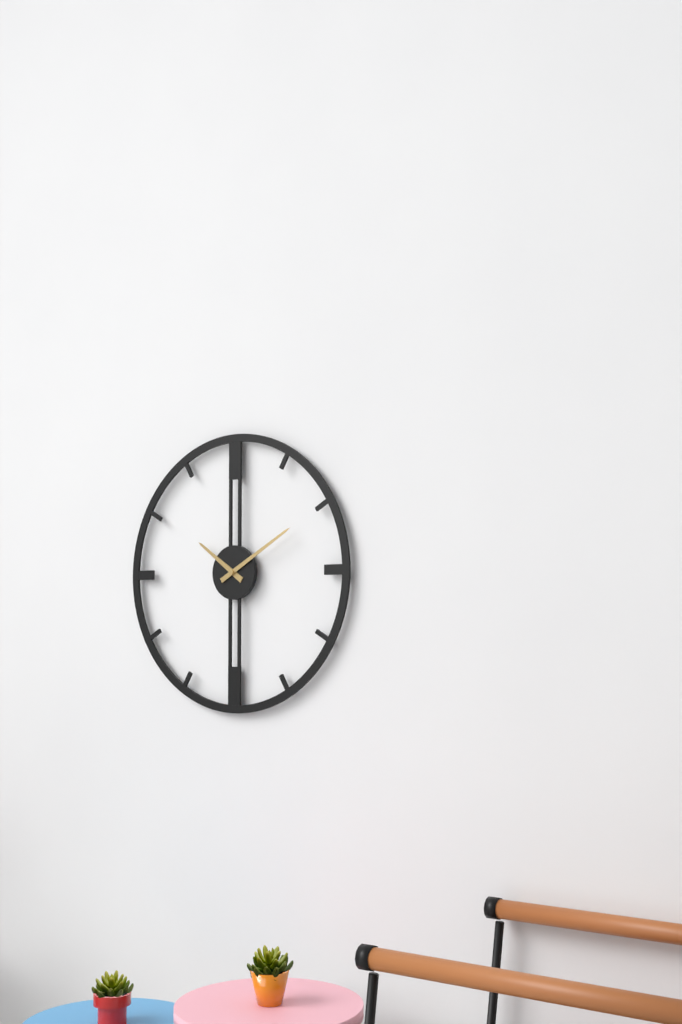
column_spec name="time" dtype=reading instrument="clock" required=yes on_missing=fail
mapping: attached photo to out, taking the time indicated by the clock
10:10
